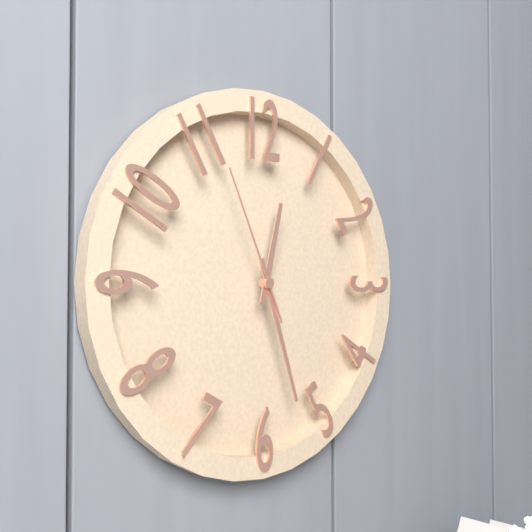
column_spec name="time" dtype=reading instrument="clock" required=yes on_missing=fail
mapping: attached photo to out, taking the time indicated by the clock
12:27:56
